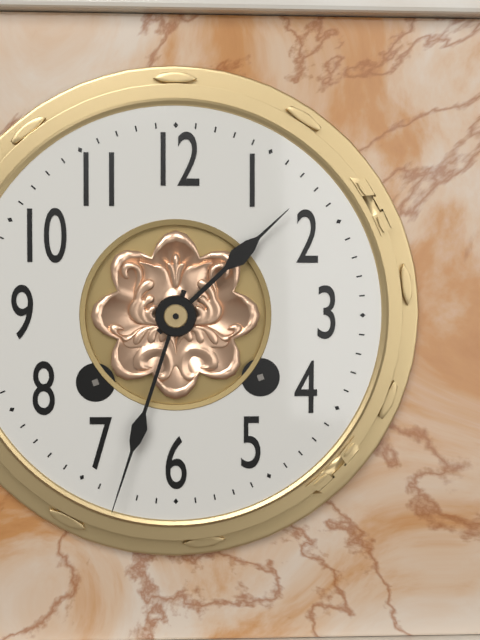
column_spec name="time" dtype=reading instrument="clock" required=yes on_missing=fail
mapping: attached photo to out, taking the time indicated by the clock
1:33
